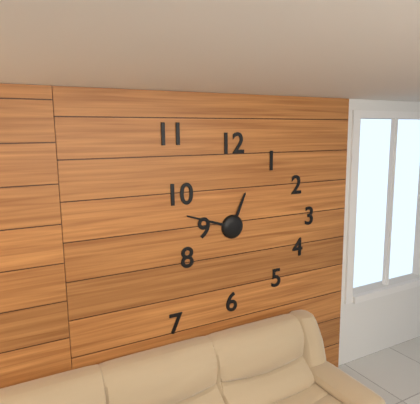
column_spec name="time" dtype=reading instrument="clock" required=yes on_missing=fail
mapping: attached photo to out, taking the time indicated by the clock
12:48
